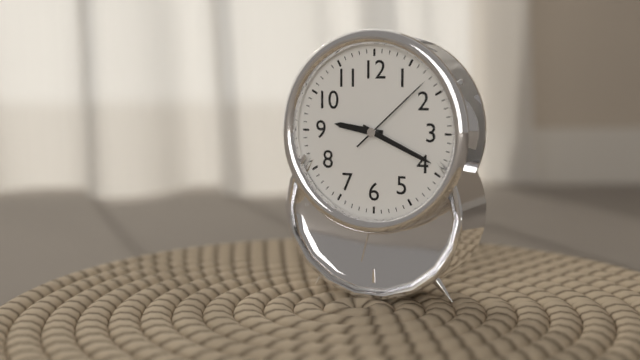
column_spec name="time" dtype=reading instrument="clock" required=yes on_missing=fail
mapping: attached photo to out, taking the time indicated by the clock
9:19:08
